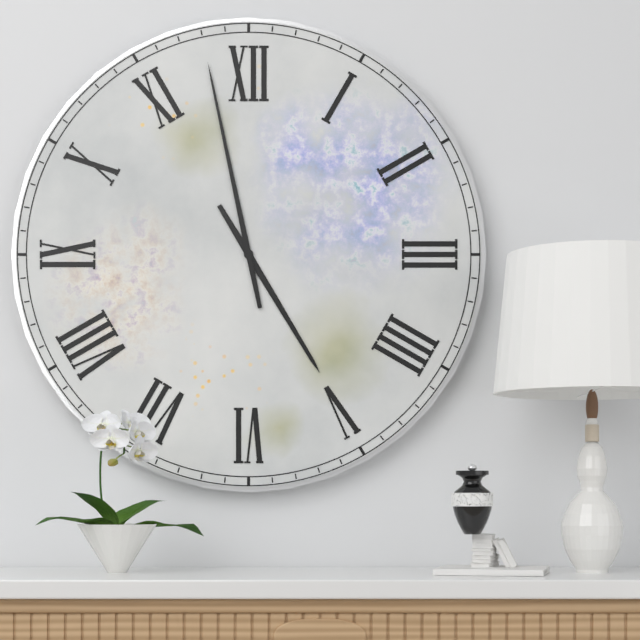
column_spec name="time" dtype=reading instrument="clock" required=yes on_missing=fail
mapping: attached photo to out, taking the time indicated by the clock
4:58
